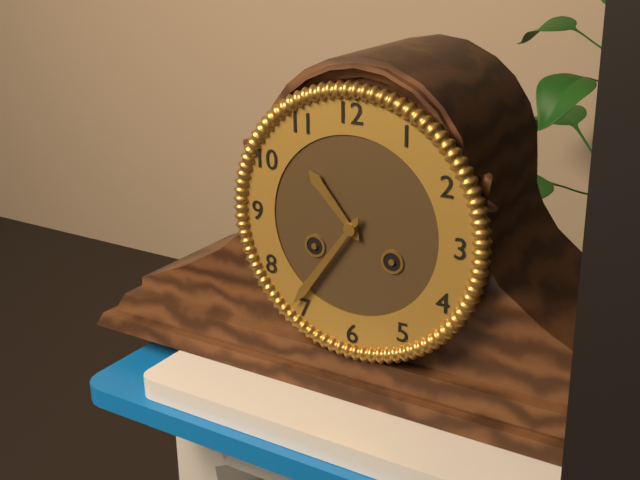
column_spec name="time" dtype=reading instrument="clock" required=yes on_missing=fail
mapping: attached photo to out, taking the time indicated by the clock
10:36
